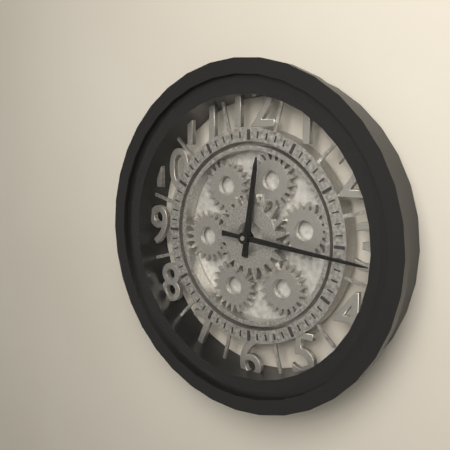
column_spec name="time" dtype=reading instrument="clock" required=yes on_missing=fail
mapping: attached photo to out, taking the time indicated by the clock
12:16
